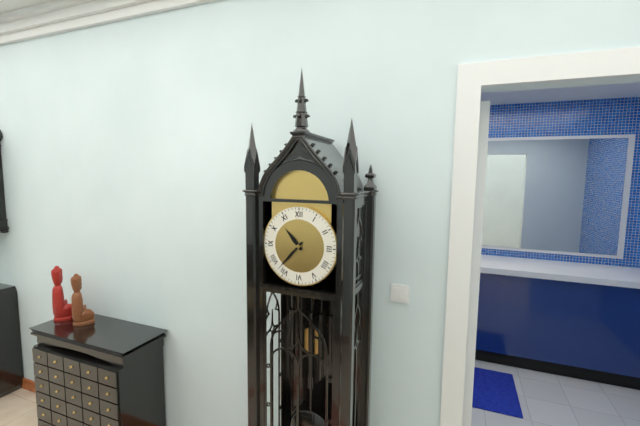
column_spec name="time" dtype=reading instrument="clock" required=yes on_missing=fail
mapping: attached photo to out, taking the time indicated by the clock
10:37
